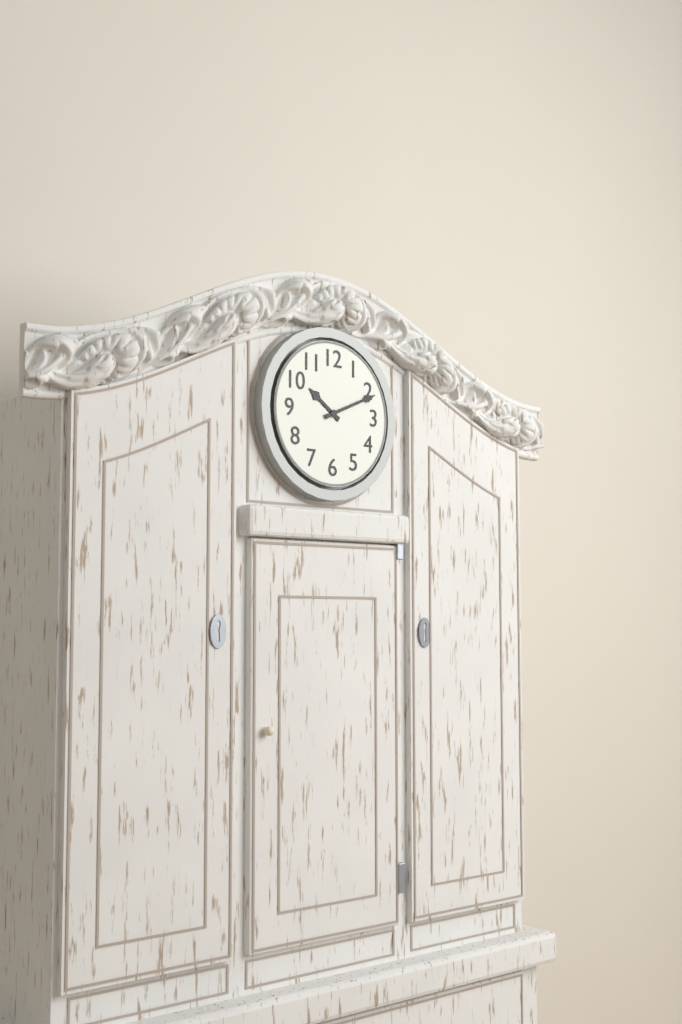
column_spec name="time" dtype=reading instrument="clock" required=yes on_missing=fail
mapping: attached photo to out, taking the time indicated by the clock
10:11
